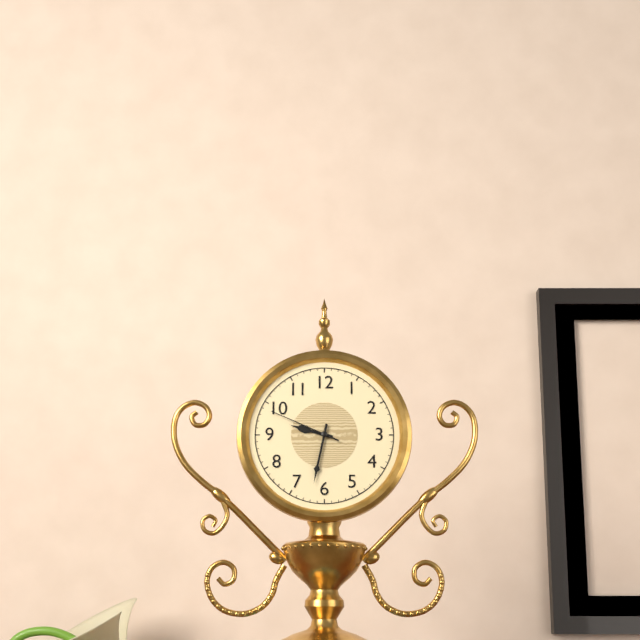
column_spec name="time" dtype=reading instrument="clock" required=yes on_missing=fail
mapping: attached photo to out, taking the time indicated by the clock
9:32:49
